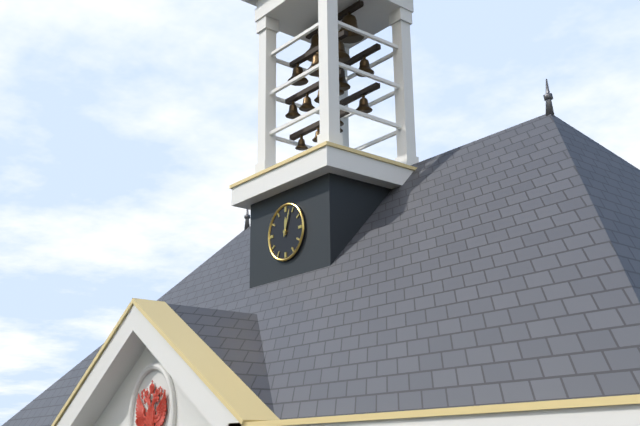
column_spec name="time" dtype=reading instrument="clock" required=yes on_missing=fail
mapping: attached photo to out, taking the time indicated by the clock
12:03
